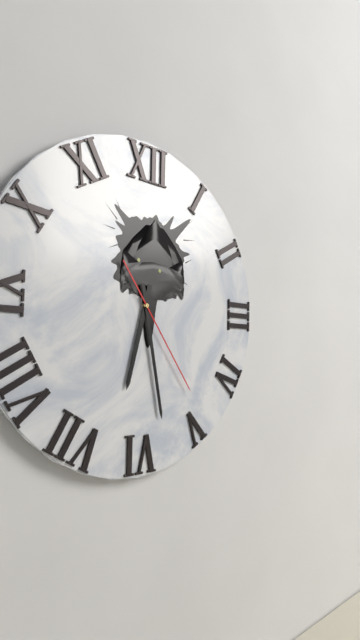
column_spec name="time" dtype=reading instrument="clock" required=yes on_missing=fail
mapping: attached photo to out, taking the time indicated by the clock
6:28:24
